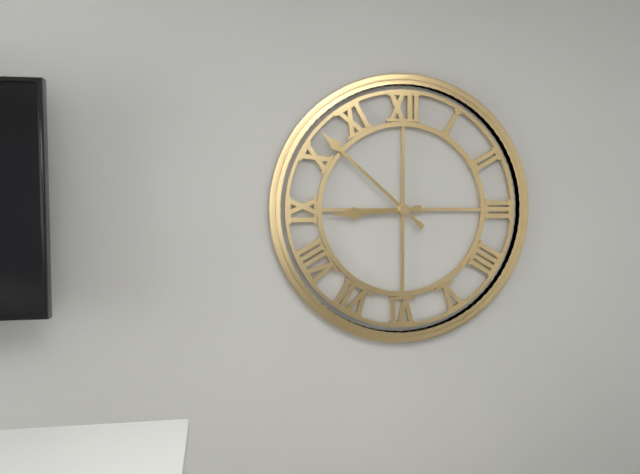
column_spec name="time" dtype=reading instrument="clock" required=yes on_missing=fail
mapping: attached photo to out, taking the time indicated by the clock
8:52
